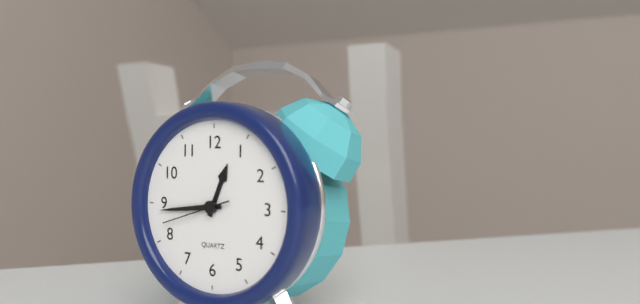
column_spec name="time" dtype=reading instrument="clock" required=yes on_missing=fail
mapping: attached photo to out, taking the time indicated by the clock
12:44:42
